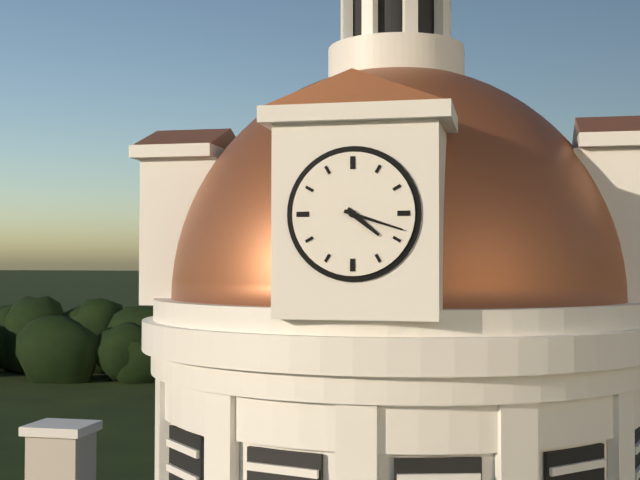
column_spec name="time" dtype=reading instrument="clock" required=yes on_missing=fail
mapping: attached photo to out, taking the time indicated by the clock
4:18
